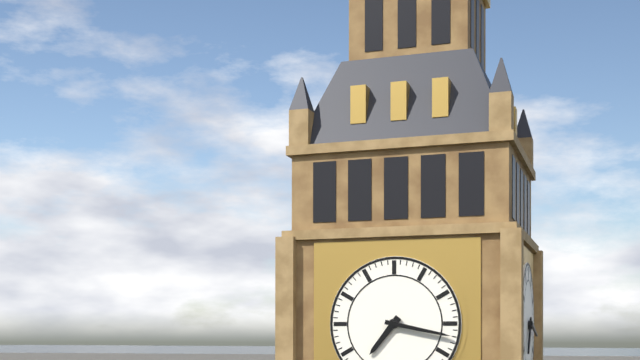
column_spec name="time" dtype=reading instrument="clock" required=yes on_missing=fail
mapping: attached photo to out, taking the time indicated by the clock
7:17
